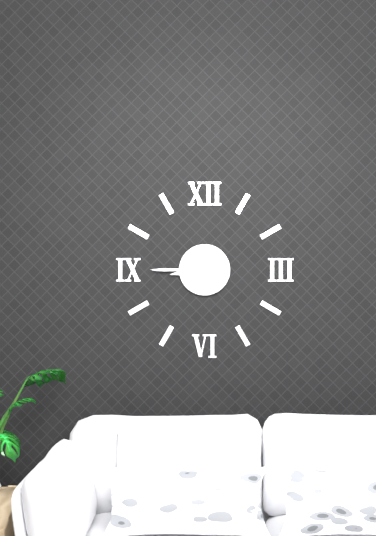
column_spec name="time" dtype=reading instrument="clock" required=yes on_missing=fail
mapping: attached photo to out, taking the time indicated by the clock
8:45
